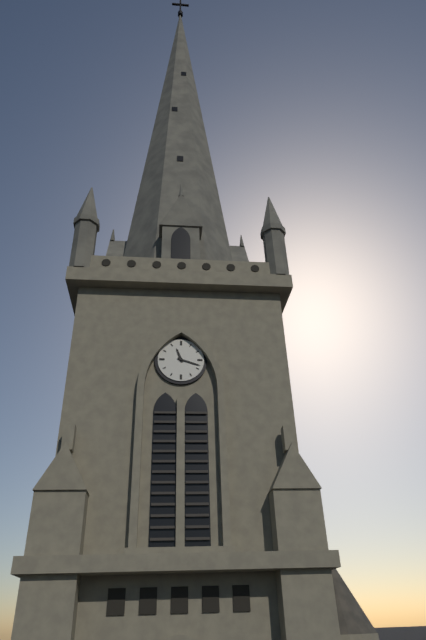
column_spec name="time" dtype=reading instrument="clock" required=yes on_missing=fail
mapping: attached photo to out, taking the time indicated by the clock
11:18
